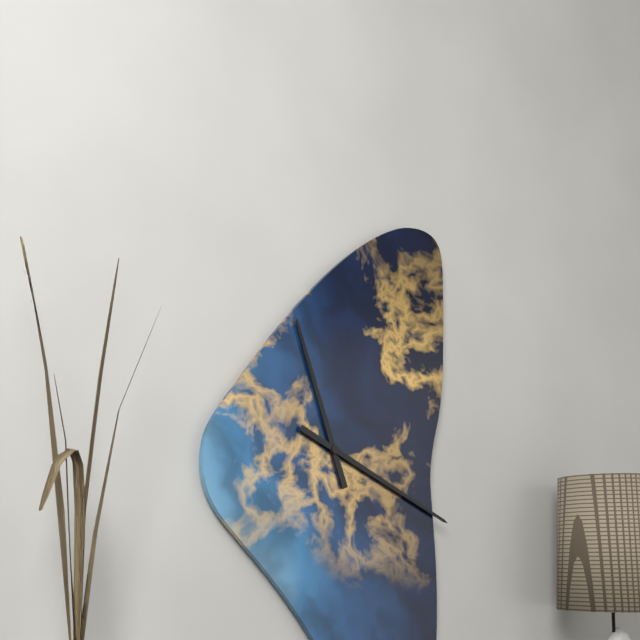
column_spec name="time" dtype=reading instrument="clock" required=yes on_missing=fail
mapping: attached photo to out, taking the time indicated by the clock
11:19
